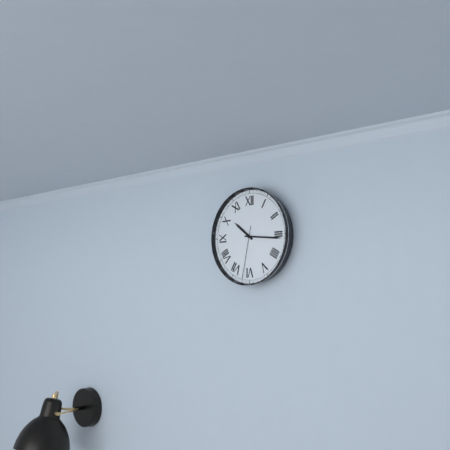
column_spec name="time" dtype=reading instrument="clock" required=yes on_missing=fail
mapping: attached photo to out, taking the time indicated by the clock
10:16:32
